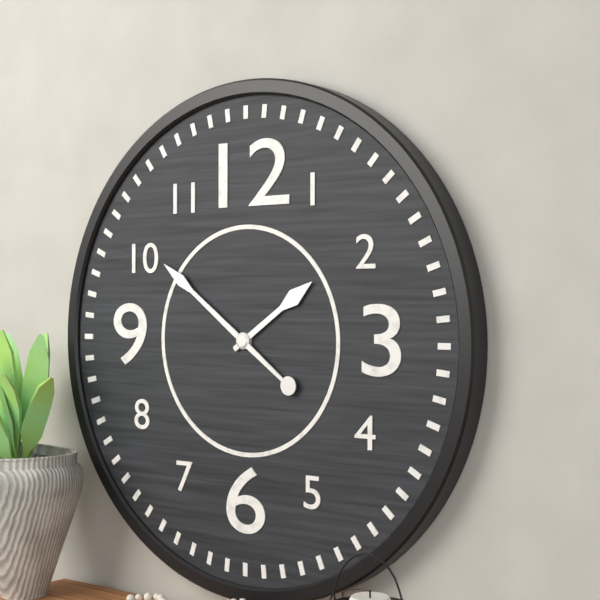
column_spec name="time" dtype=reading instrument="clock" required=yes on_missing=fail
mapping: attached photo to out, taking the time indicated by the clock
1:51
